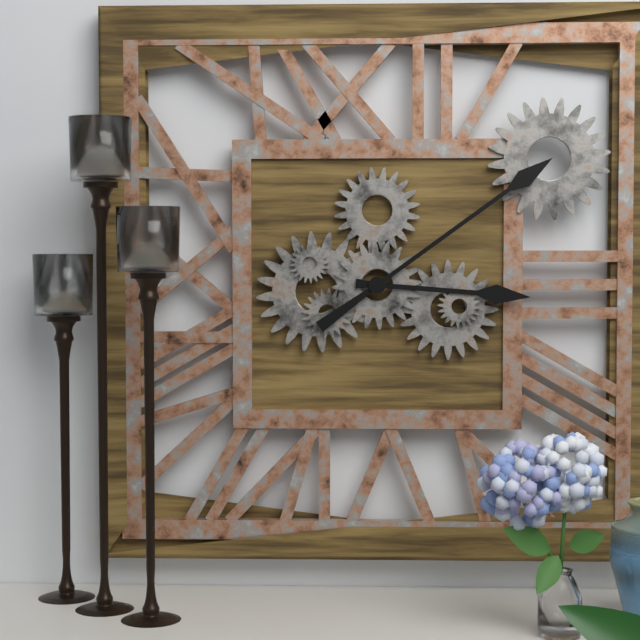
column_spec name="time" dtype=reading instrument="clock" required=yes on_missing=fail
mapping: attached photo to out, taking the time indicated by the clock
3:09
